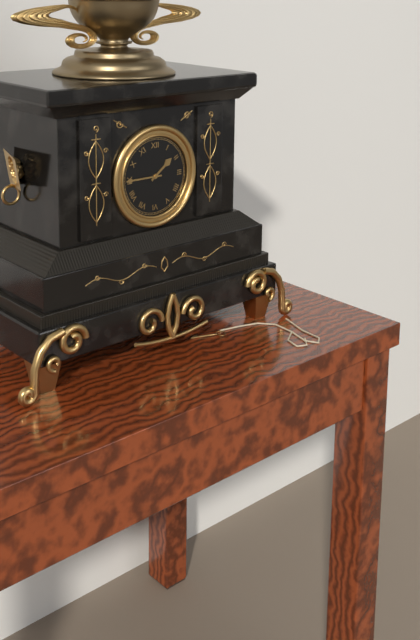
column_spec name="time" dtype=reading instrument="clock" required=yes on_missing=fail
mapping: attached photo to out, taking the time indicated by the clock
1:45
